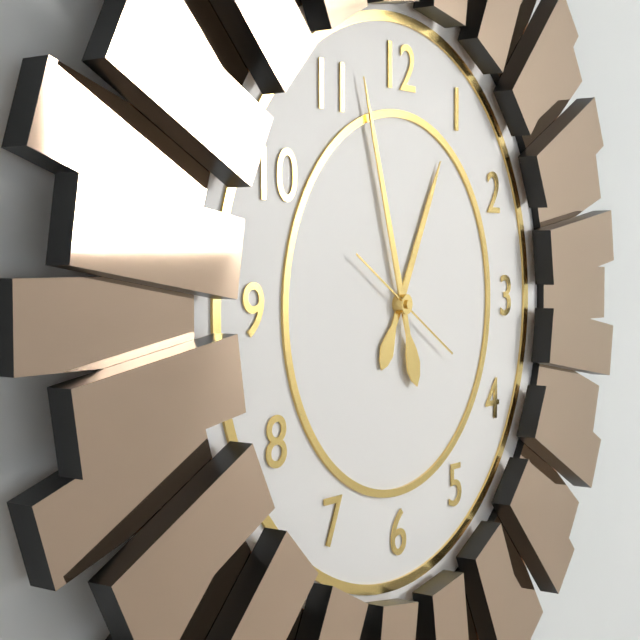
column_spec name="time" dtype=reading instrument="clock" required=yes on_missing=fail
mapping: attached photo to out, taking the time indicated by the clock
12:57:20
